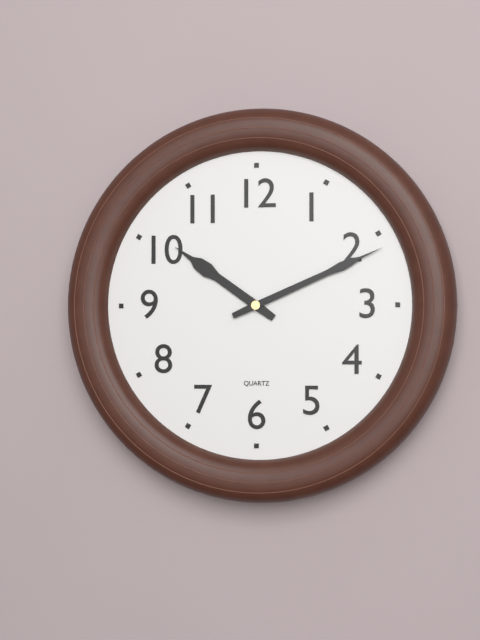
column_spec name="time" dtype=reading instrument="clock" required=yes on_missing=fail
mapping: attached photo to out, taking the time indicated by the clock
10:11
